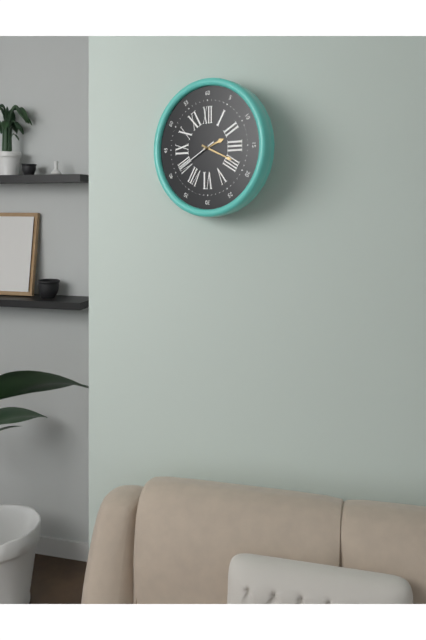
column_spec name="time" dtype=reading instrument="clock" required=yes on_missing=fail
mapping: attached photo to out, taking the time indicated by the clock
2:19
